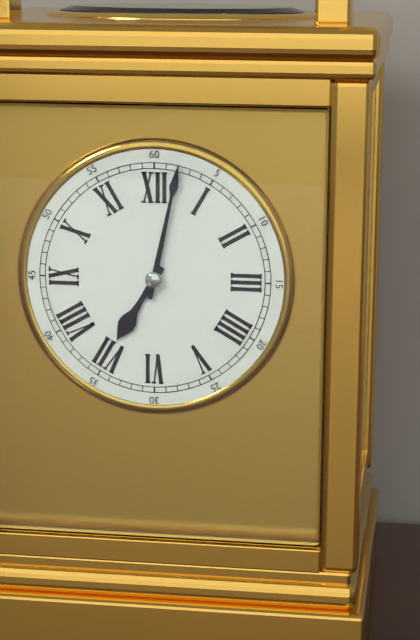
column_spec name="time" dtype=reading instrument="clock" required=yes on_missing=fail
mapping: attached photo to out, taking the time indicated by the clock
7:02
